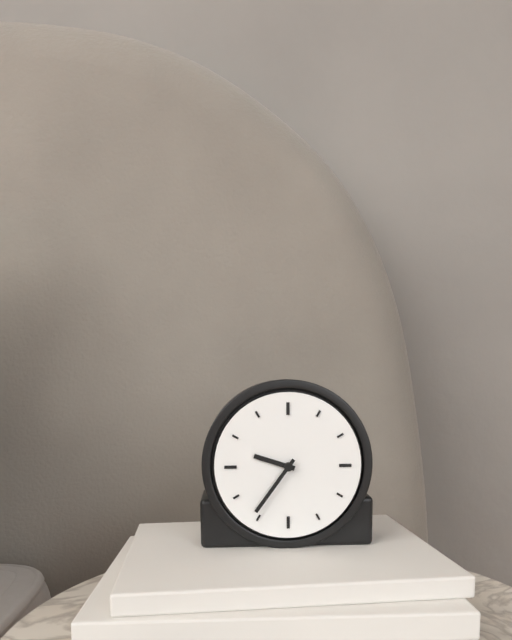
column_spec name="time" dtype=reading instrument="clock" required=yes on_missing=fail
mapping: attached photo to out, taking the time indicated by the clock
9:36
